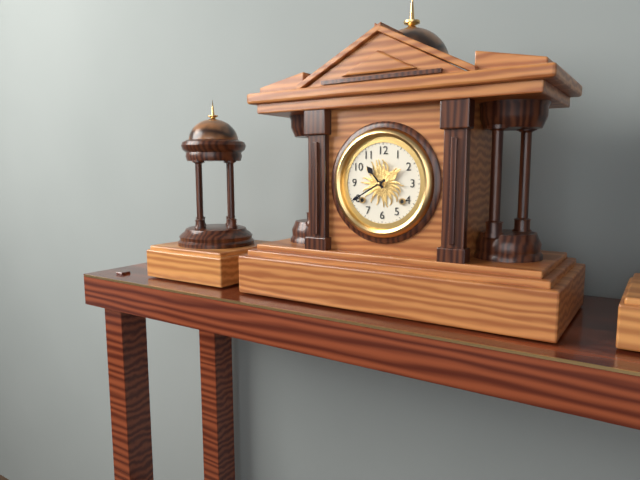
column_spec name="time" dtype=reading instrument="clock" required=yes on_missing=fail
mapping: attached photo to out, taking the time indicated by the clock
10:40
